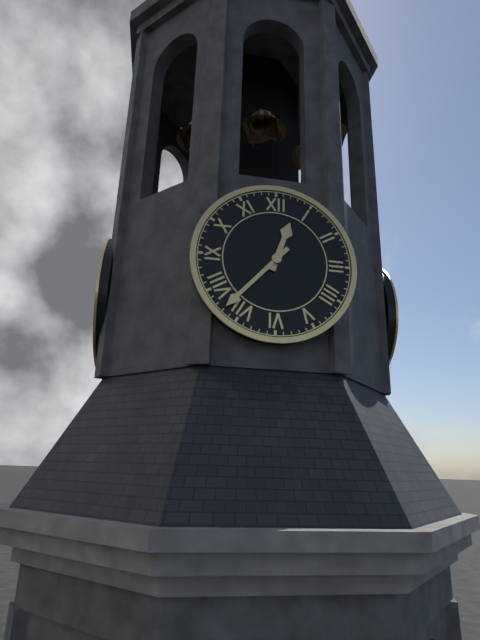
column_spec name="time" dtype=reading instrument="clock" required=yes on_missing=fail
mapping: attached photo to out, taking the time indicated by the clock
12:37
